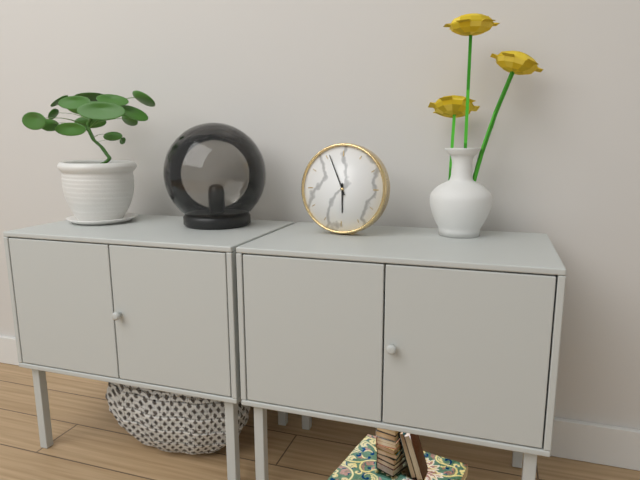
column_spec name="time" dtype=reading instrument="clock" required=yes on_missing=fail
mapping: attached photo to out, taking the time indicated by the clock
5:56
